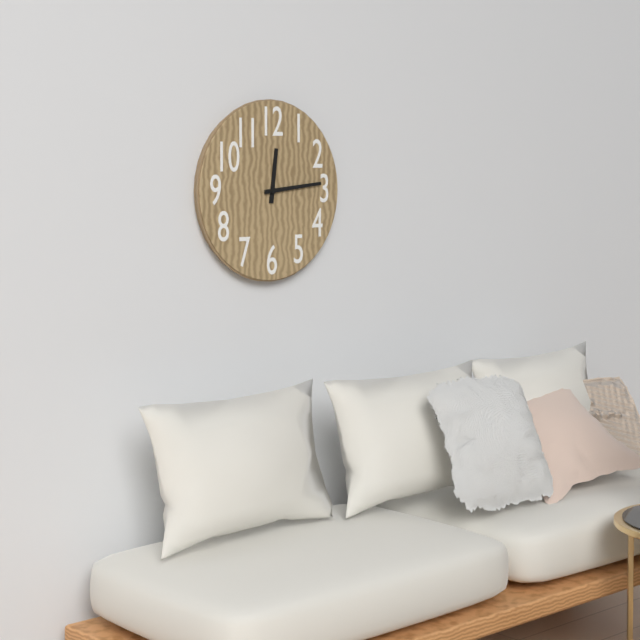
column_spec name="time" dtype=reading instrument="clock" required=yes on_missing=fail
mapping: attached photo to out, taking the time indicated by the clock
12:14
